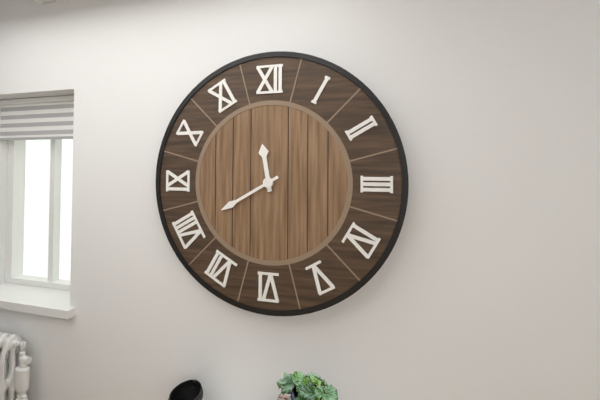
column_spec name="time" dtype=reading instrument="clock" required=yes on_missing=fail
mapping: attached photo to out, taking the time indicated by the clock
11:40
